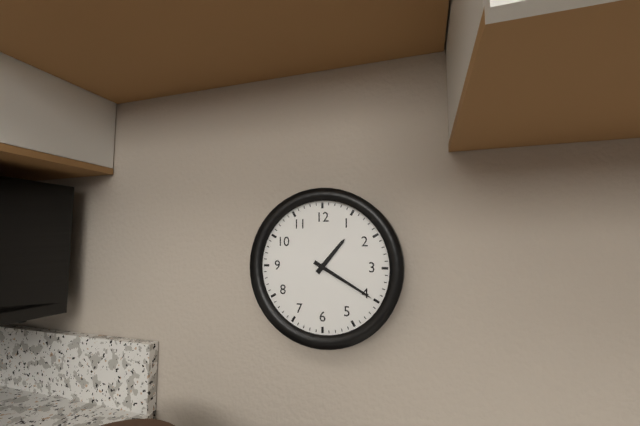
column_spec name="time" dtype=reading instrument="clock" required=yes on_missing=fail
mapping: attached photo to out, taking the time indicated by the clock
1:20
